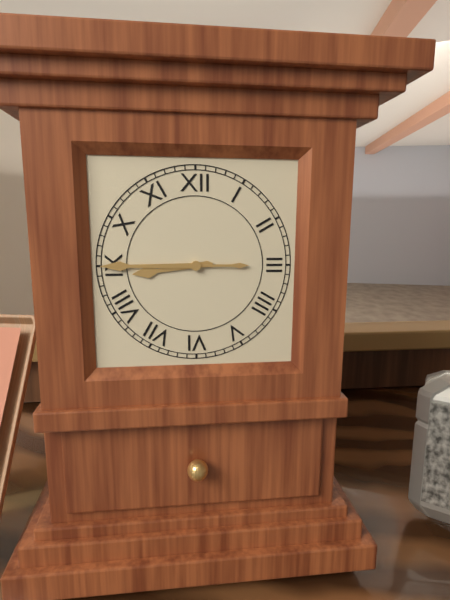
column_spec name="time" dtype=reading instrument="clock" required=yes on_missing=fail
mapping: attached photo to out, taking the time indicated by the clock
8:45
